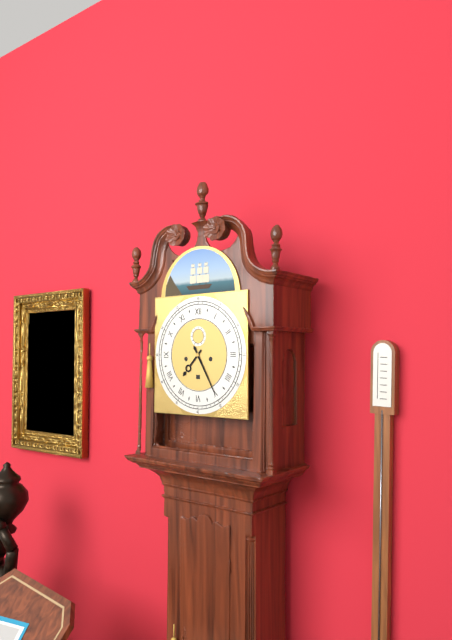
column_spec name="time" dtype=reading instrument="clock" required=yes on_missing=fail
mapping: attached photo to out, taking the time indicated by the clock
7:25
